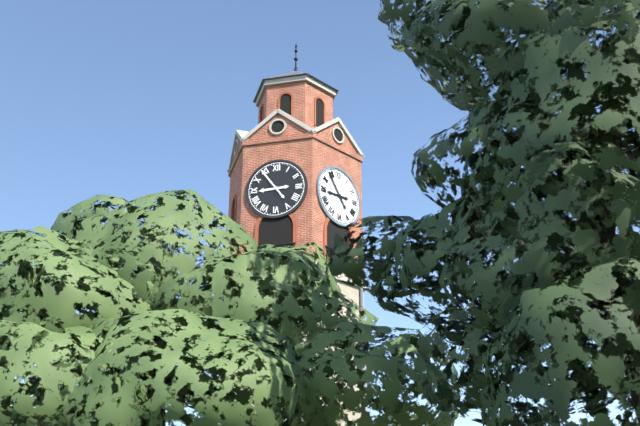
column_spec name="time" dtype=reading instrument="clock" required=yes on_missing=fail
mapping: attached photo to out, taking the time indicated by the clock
8:54
